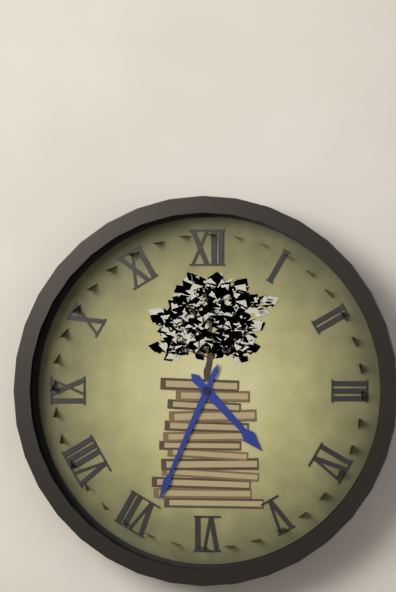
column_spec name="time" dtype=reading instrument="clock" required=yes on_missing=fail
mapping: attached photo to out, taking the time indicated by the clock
4:34
